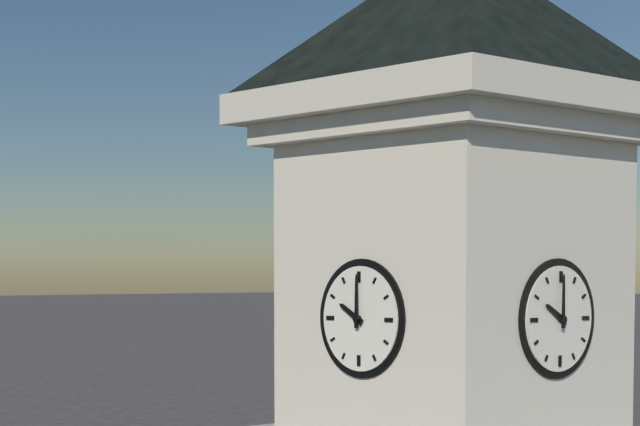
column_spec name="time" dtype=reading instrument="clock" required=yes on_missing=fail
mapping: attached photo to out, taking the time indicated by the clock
10:00
